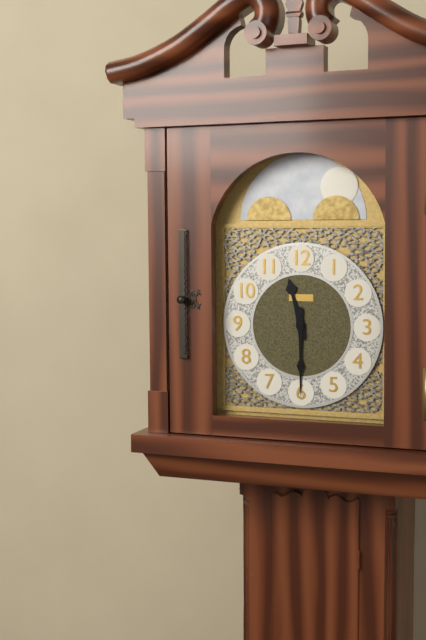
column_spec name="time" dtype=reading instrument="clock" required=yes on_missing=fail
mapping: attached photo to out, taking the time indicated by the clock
11:30
